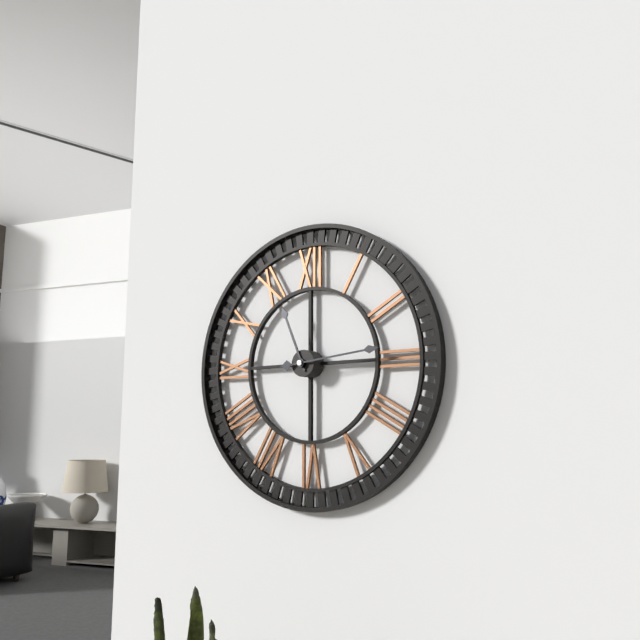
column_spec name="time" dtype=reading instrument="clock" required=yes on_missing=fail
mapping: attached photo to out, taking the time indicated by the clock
11:14
